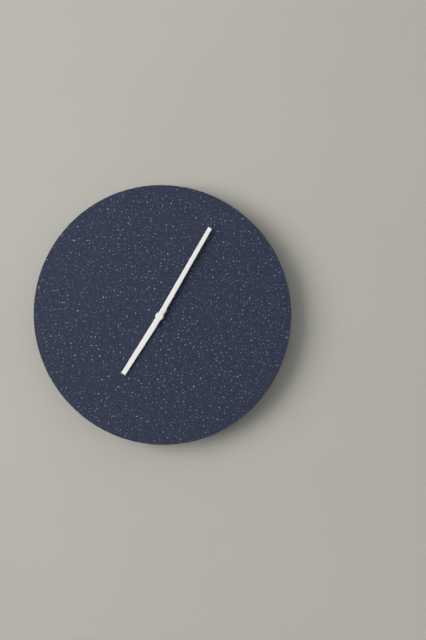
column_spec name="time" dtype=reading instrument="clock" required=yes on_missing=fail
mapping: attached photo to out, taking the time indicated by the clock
7:05
